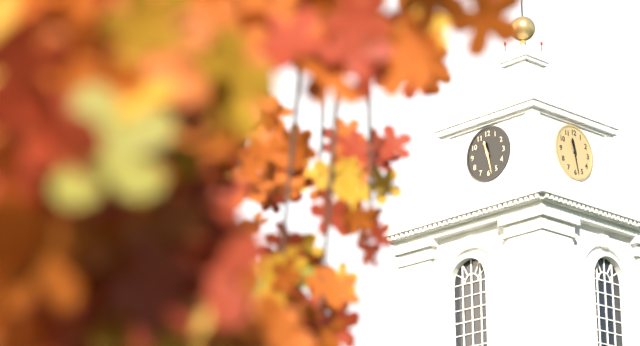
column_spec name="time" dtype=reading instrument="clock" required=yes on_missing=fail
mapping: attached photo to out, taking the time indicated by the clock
11:28
